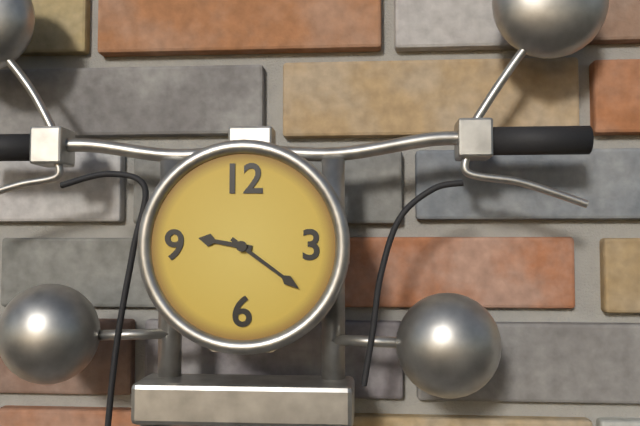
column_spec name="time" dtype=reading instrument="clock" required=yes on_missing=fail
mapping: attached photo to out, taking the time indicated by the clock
9:21
